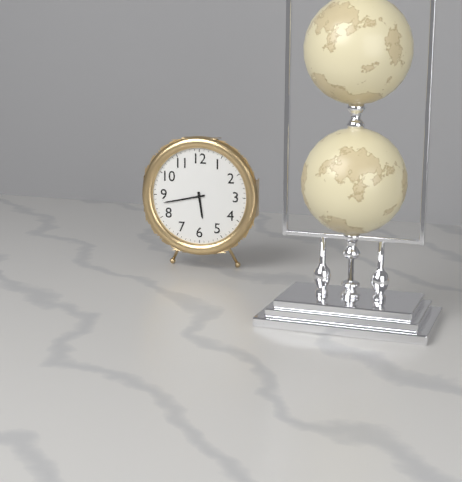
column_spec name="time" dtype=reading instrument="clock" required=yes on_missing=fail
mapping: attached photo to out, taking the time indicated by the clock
5:43
